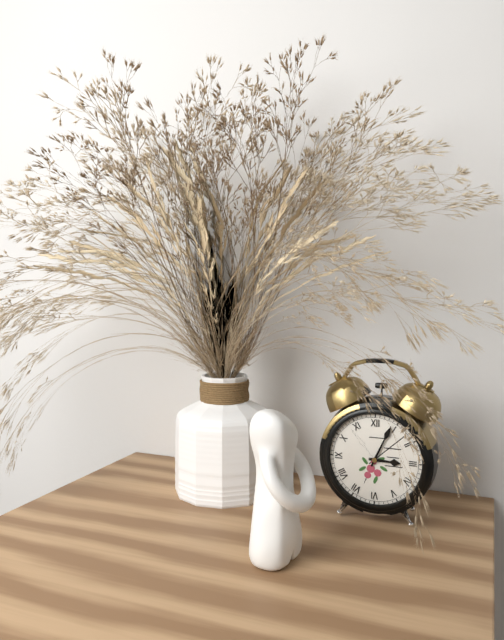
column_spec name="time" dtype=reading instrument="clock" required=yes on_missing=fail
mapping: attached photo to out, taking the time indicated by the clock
3:04
